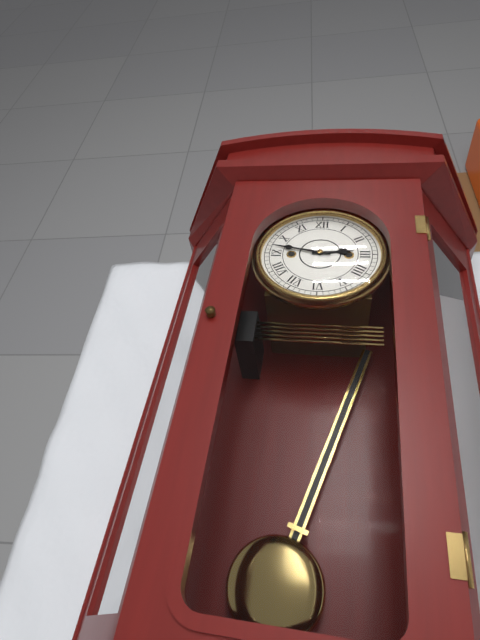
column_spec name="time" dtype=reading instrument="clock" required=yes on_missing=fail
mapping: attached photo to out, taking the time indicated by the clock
2:47
